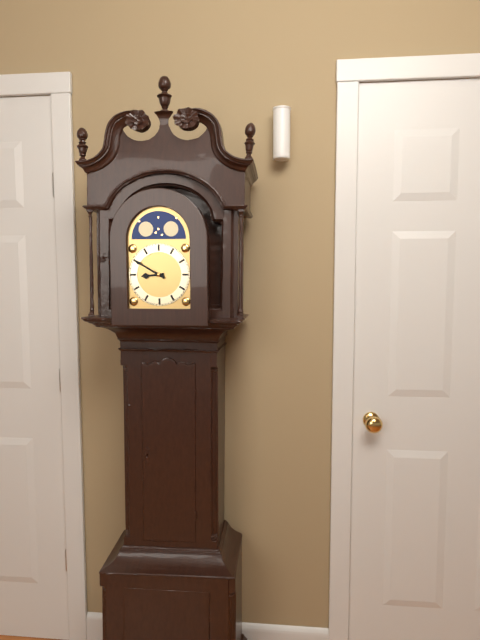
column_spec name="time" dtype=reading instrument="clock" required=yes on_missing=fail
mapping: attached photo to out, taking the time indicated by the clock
8:50
